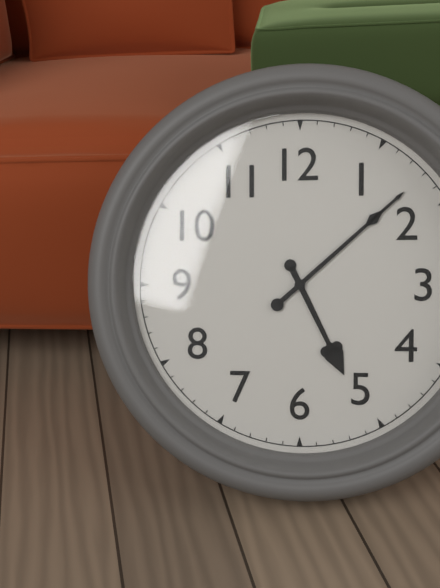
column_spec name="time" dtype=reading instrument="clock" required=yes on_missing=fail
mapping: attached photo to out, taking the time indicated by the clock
5:08
